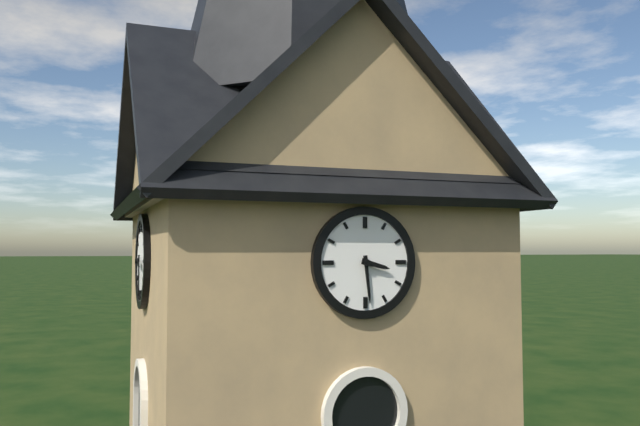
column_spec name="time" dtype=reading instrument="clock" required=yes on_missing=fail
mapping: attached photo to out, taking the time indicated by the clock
3:29
